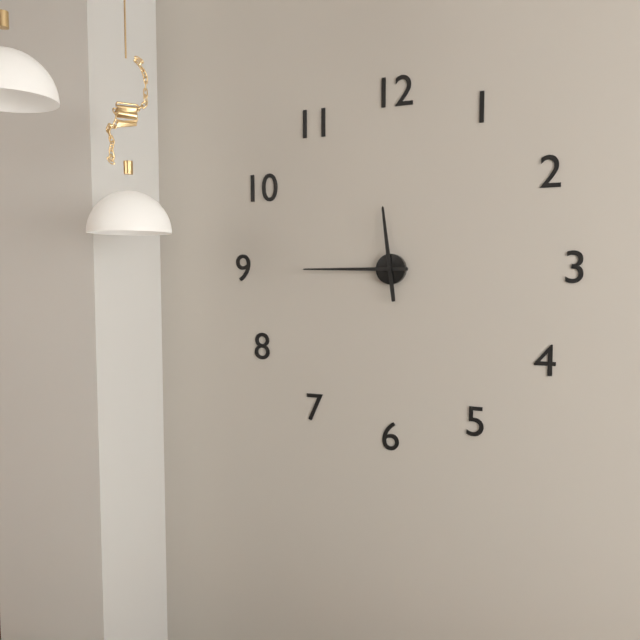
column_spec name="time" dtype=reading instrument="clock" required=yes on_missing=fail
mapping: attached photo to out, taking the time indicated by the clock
11:45
